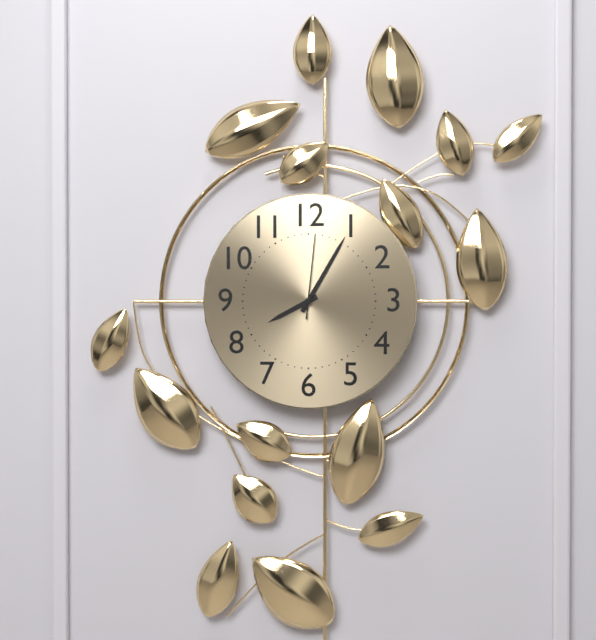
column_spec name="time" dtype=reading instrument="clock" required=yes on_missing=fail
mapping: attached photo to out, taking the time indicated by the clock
8:05:01
